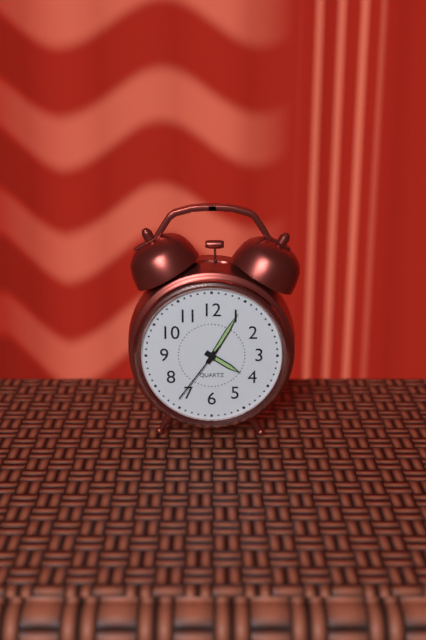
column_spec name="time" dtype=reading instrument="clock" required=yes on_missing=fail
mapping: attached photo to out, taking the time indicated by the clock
4:05:36
